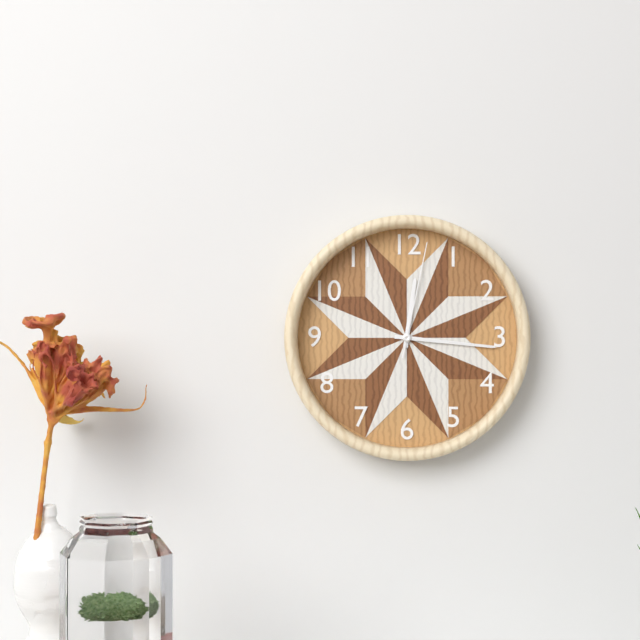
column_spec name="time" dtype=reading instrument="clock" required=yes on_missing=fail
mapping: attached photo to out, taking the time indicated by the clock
12:16:02
